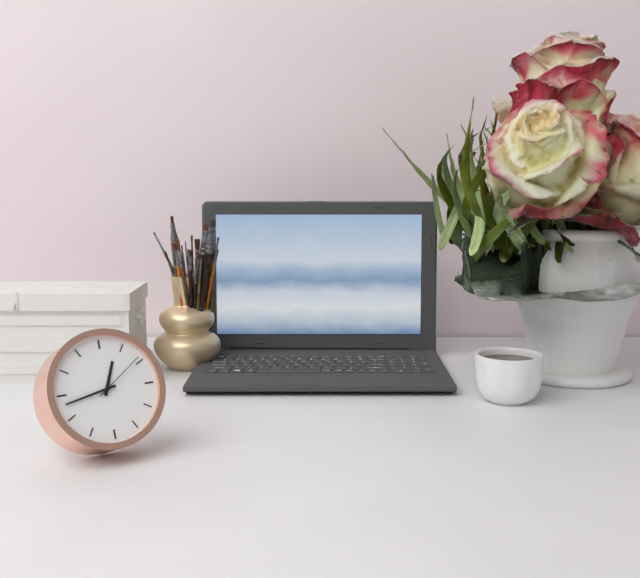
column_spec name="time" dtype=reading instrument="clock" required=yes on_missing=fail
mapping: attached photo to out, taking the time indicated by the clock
12:43:09
